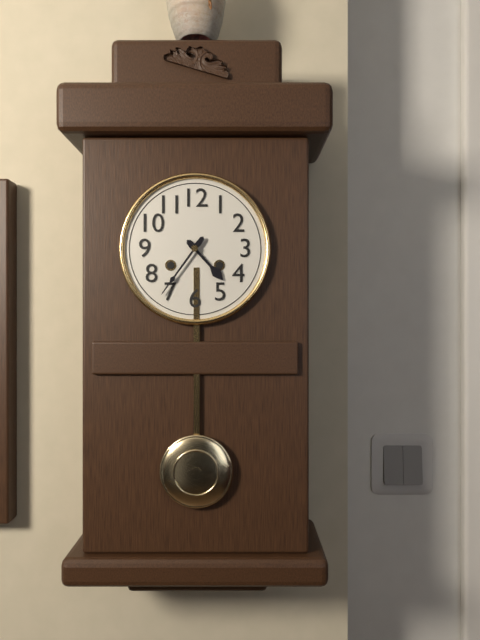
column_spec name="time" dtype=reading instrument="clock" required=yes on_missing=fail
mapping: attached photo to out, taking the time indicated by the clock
4:36
